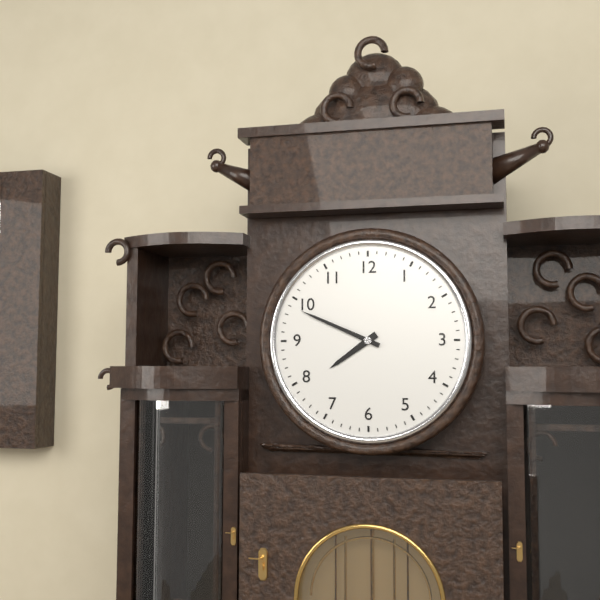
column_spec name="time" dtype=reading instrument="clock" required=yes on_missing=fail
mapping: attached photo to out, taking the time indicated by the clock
7:49
